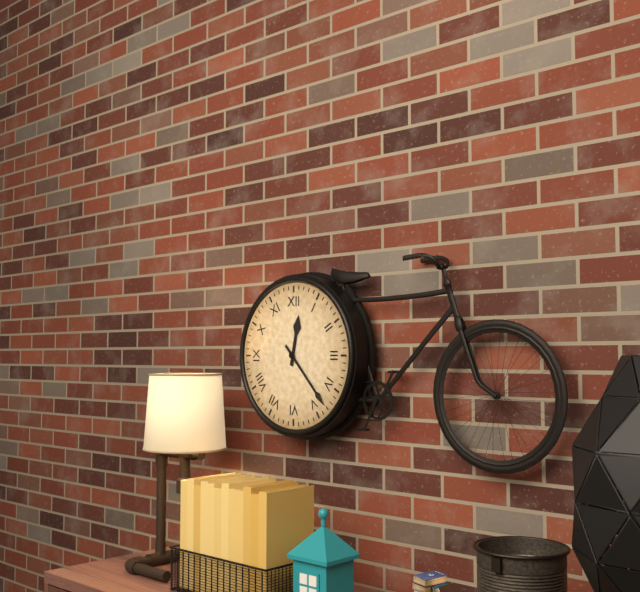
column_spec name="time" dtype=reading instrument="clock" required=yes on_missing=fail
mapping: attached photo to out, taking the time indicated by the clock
12:23
